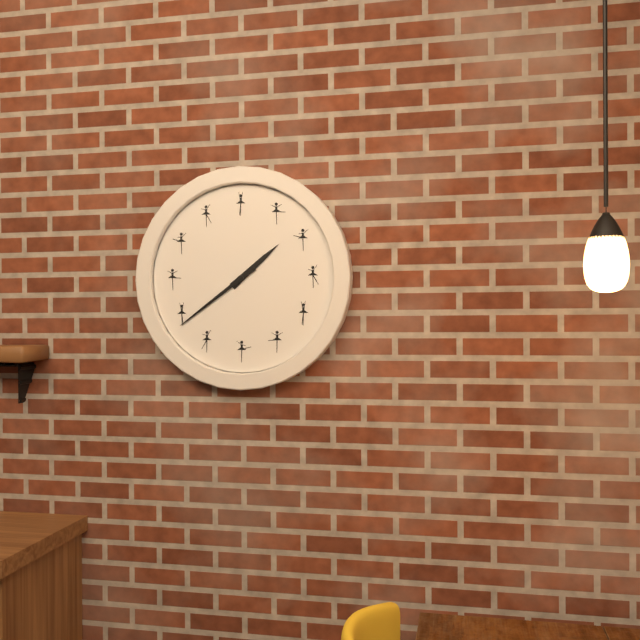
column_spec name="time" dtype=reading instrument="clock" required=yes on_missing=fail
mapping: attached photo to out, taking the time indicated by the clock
1:39
